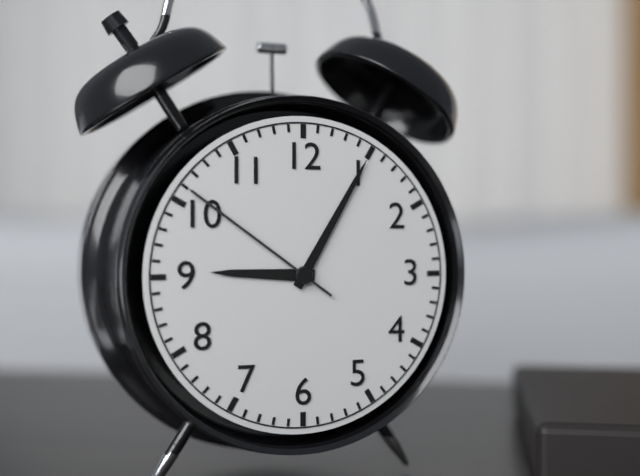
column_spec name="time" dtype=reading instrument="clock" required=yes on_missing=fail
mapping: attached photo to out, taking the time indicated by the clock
9:05:51
